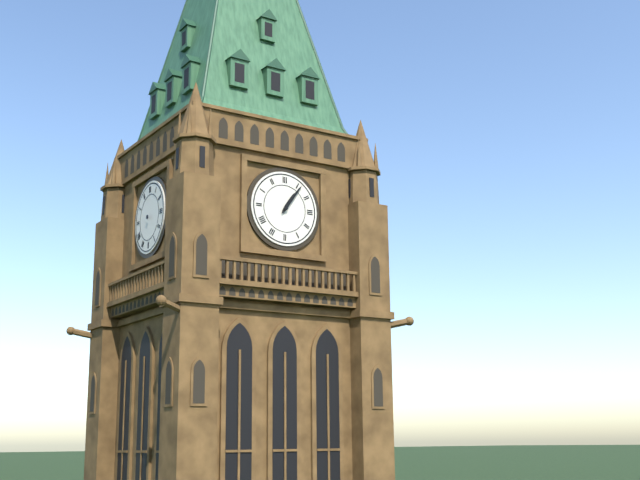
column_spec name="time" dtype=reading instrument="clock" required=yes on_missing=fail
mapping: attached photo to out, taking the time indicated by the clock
1:06
